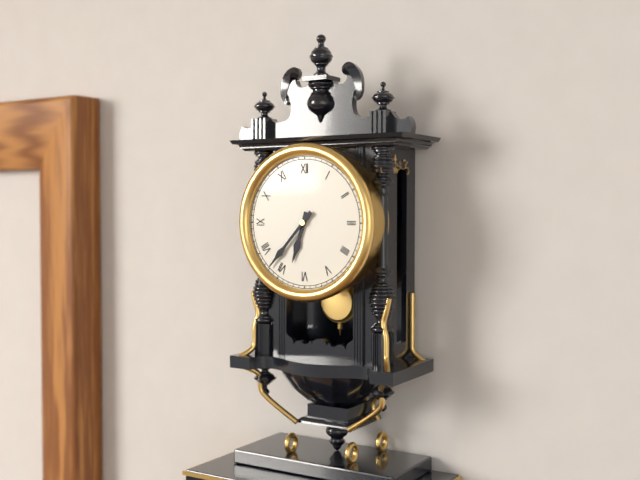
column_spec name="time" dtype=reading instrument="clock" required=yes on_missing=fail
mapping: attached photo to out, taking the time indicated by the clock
6:37
